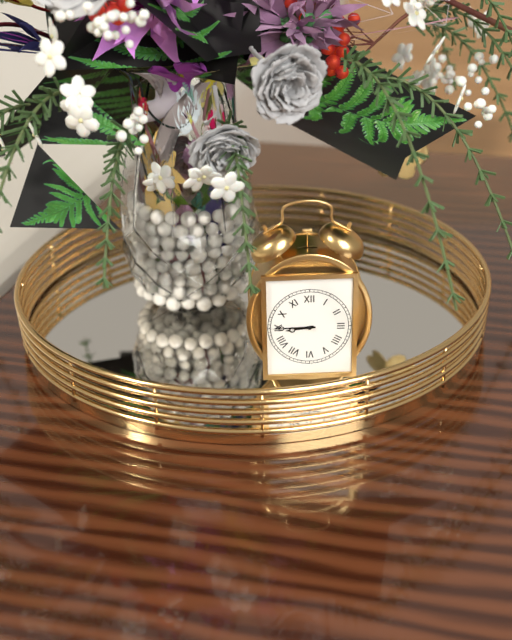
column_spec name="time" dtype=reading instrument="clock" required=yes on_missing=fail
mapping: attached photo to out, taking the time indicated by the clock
8:45
